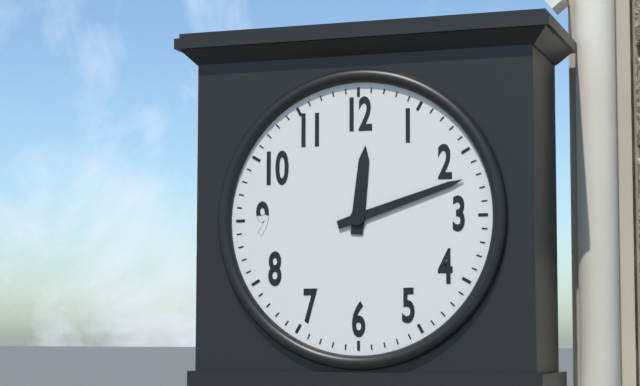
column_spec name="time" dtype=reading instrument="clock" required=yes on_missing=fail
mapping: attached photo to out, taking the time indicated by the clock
12:12
